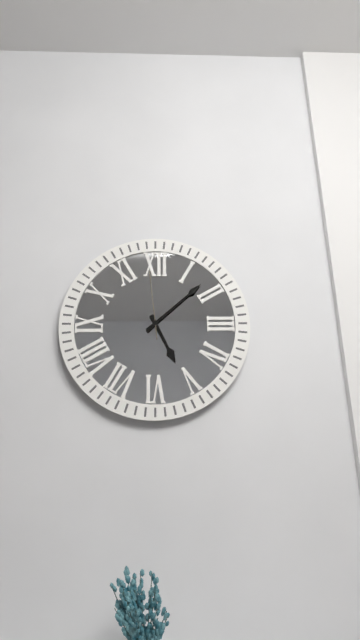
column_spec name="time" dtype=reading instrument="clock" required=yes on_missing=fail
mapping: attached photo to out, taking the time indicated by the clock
5:08:59
